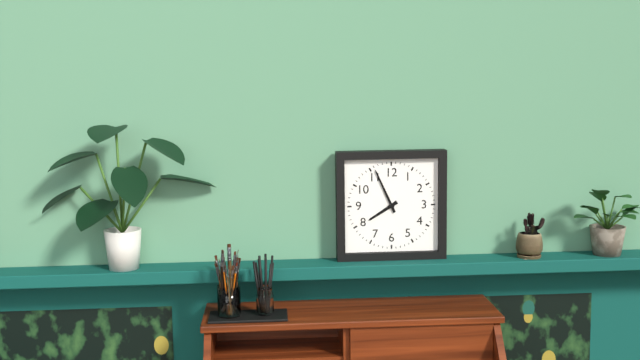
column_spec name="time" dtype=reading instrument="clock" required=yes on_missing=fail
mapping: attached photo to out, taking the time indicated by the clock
7:56
